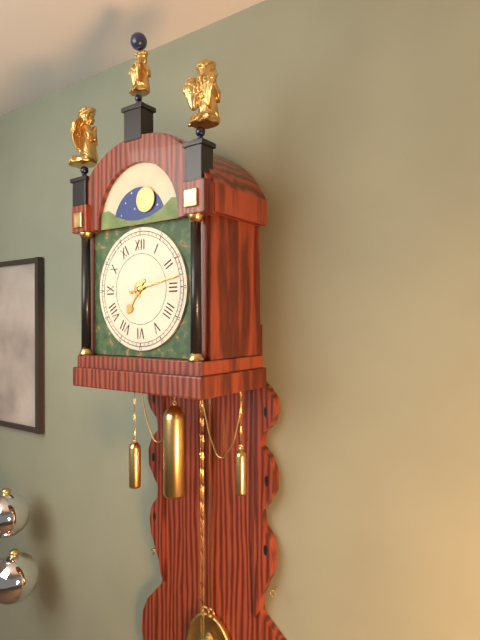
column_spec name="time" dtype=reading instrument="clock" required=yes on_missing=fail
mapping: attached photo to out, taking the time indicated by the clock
7:13
